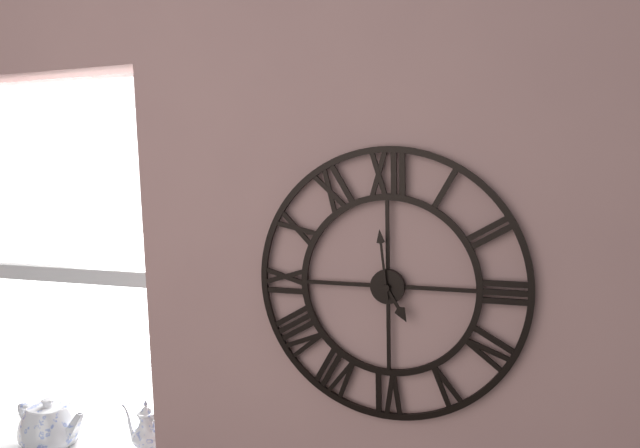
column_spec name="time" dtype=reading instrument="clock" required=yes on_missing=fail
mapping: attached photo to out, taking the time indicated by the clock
4:59
